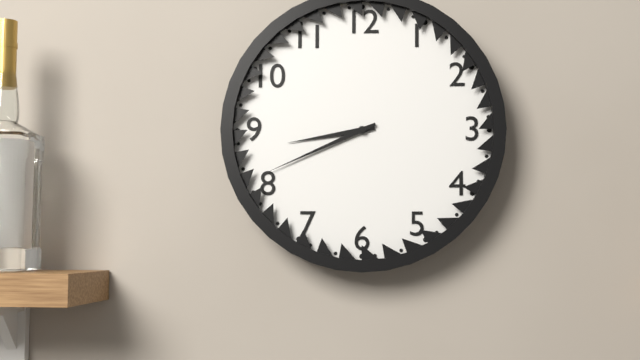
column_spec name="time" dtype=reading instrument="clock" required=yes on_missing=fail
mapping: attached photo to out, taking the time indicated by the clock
8:41
